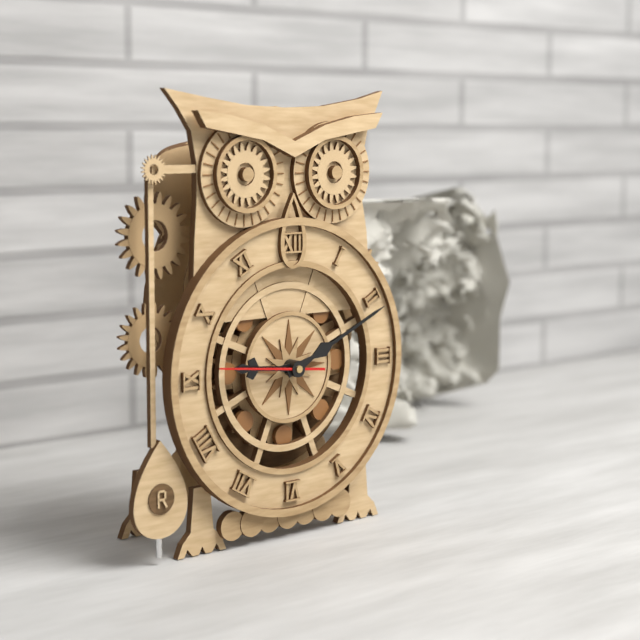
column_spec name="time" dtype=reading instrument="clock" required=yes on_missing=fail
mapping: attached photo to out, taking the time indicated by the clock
9:11:46
